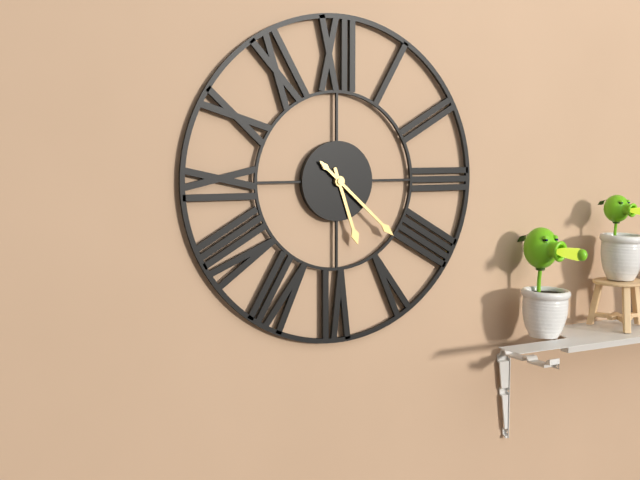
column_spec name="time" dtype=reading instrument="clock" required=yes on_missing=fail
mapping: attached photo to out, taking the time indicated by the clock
5:22
